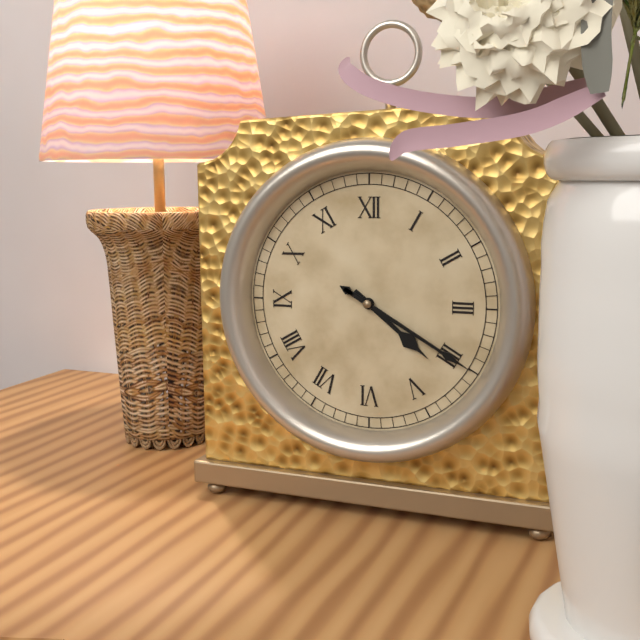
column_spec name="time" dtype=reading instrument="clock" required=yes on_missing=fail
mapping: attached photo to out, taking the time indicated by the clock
4:20
